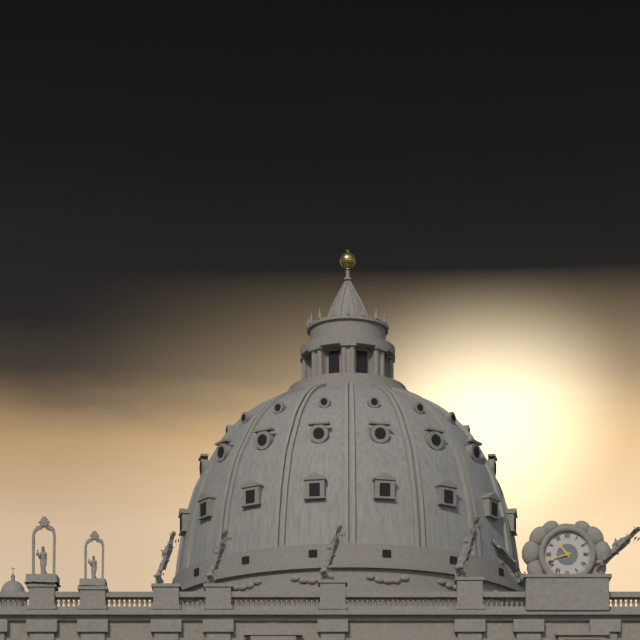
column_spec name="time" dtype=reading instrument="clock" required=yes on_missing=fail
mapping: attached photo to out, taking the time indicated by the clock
10:42
